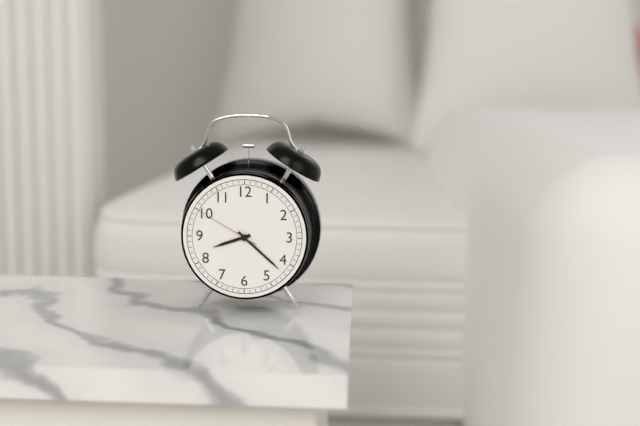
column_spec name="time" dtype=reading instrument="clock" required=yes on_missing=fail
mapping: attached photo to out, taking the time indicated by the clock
8:22:50
